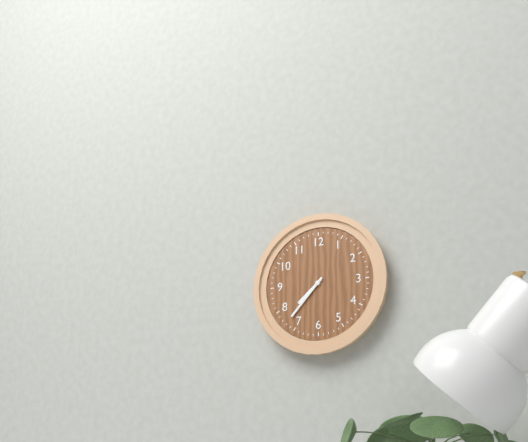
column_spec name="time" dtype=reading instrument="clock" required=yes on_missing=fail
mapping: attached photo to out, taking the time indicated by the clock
7:37
